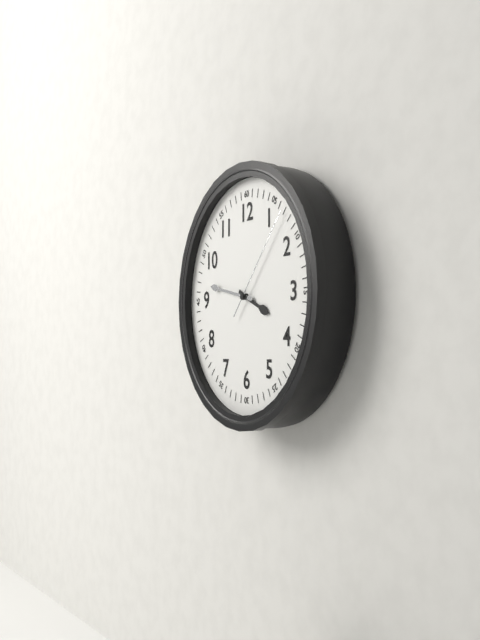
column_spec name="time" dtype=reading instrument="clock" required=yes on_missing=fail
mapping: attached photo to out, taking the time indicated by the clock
3:47:07
